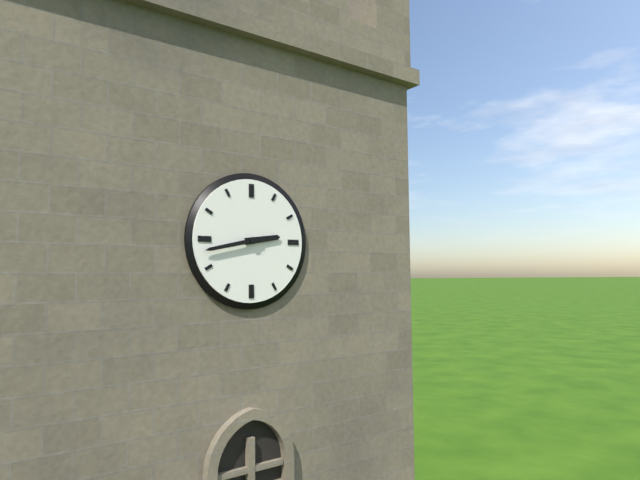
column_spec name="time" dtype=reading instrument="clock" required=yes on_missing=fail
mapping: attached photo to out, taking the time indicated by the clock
2:43
